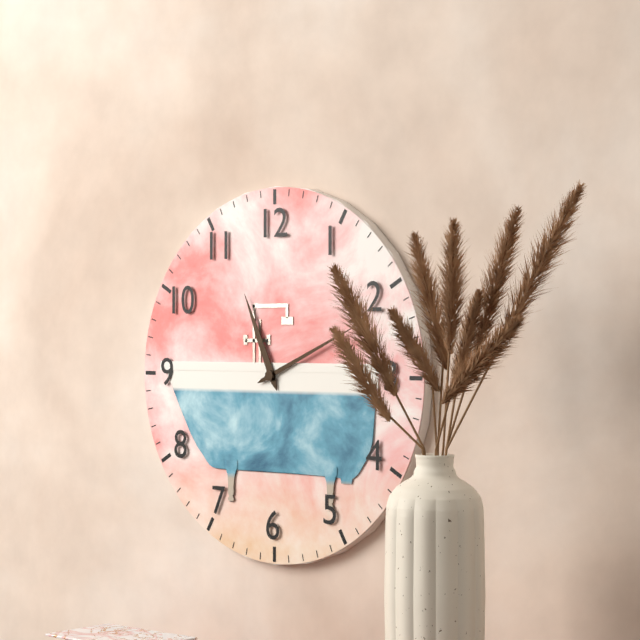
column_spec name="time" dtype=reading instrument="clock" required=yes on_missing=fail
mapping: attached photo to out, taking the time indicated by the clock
11:11
